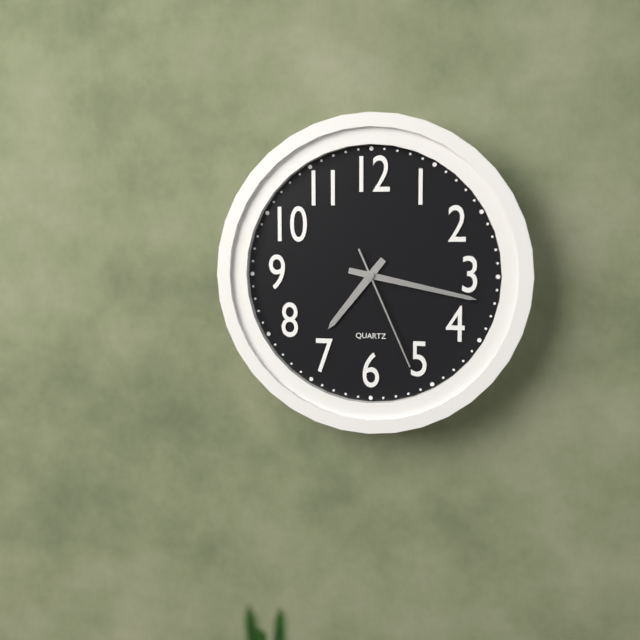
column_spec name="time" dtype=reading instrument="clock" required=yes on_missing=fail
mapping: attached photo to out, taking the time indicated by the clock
7:17:26
